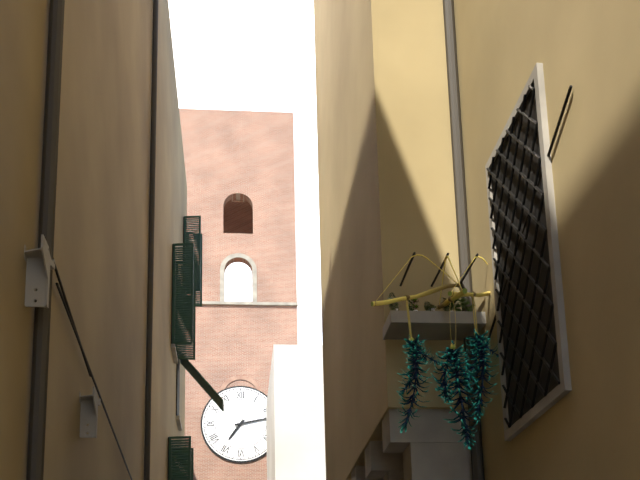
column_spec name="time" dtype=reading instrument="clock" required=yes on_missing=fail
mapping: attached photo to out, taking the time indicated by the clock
7:13
